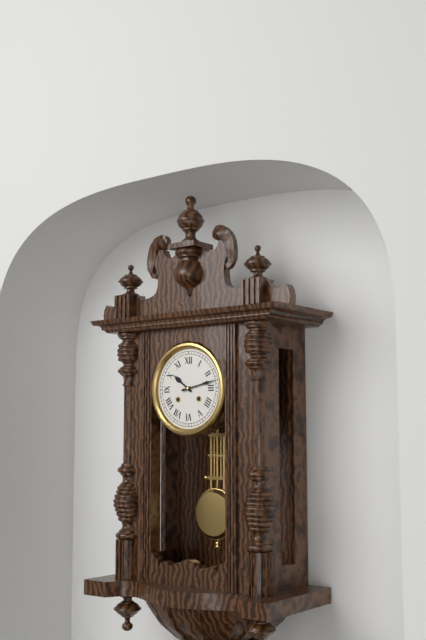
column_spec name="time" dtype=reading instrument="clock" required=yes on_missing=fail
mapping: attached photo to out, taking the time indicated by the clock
10:13
